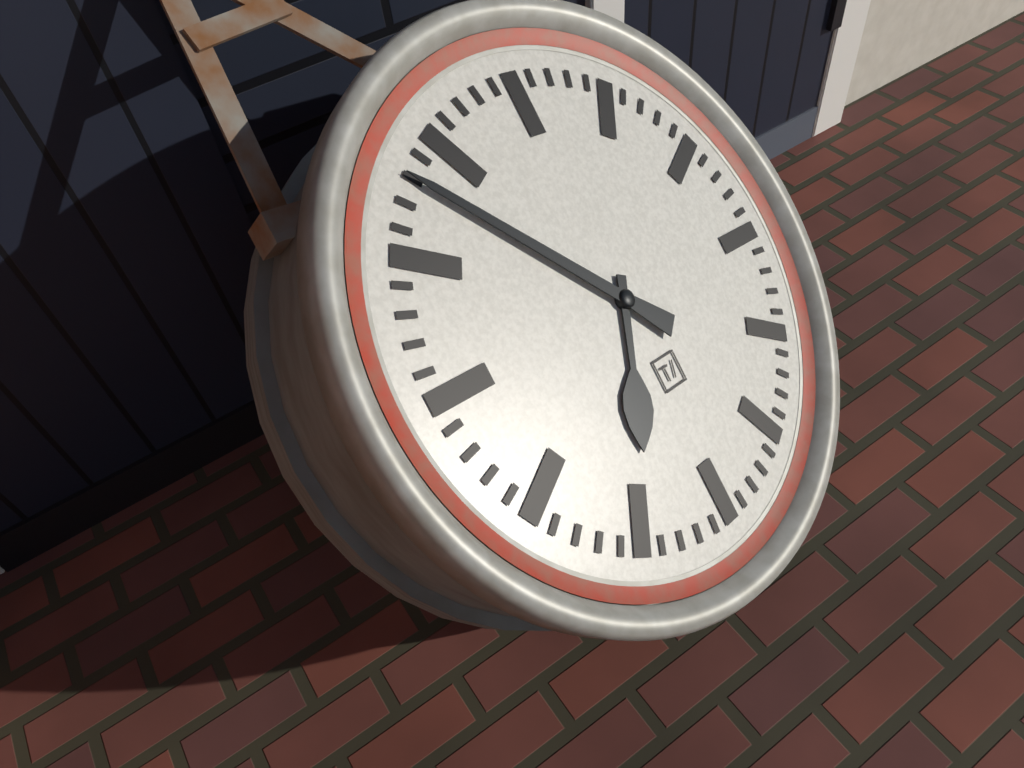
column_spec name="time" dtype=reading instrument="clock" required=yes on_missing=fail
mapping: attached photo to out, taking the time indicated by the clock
6:53
